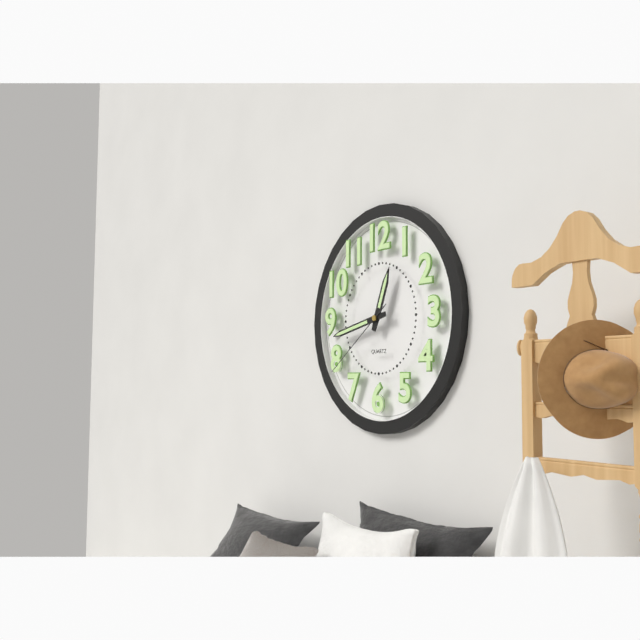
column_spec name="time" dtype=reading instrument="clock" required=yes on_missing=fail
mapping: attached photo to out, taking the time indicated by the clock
12:43:39
